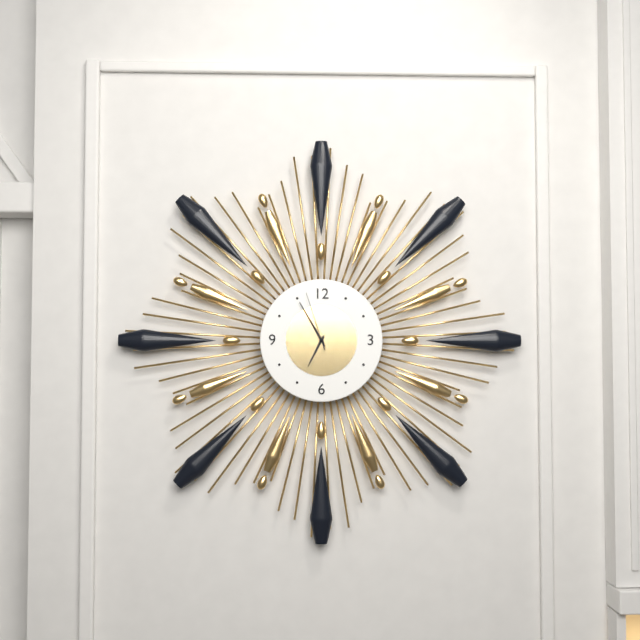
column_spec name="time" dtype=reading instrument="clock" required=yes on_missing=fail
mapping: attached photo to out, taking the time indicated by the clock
6:55:57
